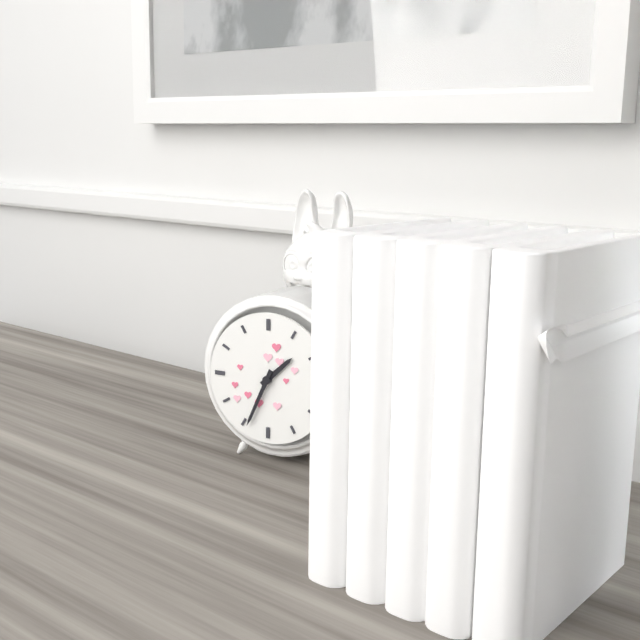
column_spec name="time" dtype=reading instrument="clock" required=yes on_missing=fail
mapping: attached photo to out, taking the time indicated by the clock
1:34
